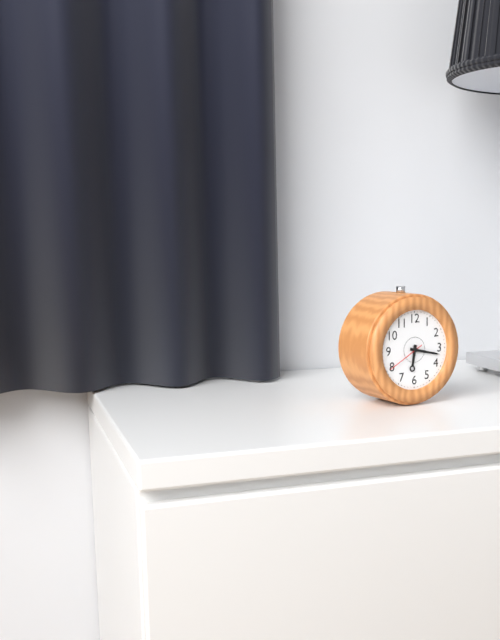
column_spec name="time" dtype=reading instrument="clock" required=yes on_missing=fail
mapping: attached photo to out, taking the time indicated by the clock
6:17
